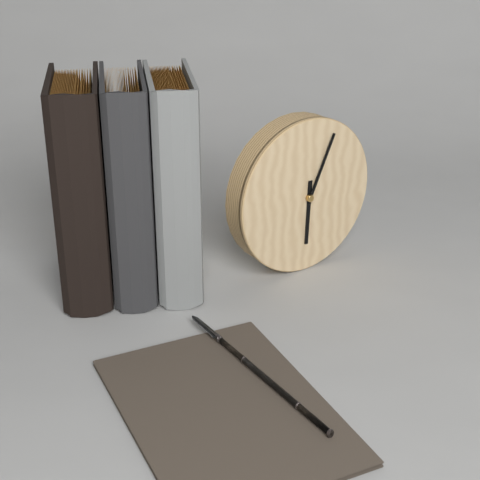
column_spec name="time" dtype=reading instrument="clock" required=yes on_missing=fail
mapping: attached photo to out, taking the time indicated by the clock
6:04
